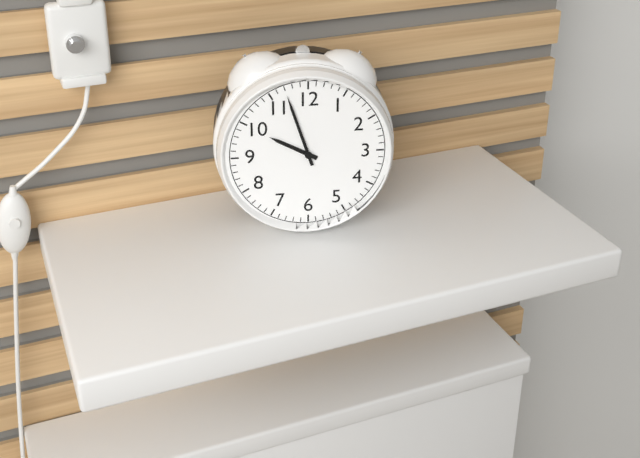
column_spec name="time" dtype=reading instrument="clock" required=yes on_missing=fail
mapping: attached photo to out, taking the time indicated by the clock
9:57
